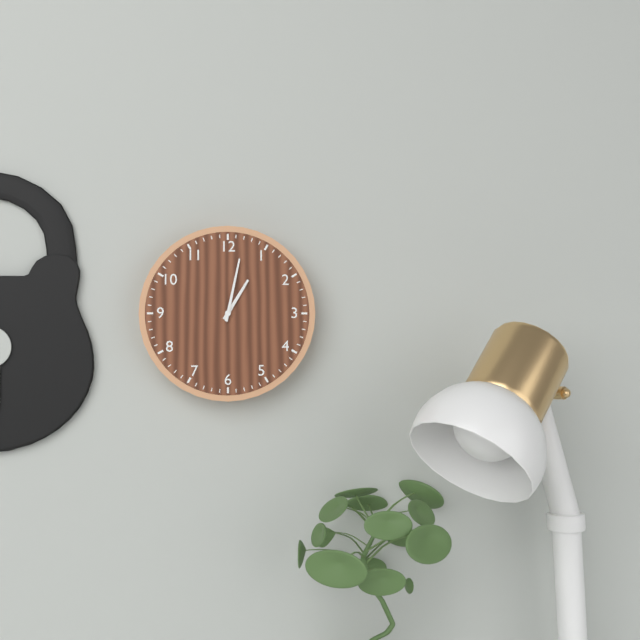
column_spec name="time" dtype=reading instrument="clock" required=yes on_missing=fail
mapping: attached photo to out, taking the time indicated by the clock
1:02
